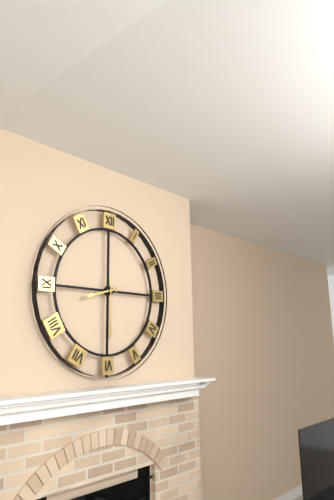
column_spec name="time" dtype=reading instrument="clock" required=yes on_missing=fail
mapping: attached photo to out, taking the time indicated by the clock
8:30
